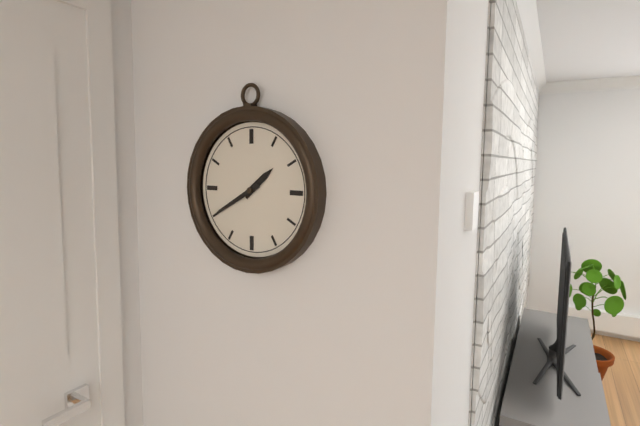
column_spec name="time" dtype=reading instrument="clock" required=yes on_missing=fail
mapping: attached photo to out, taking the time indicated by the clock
1:40
